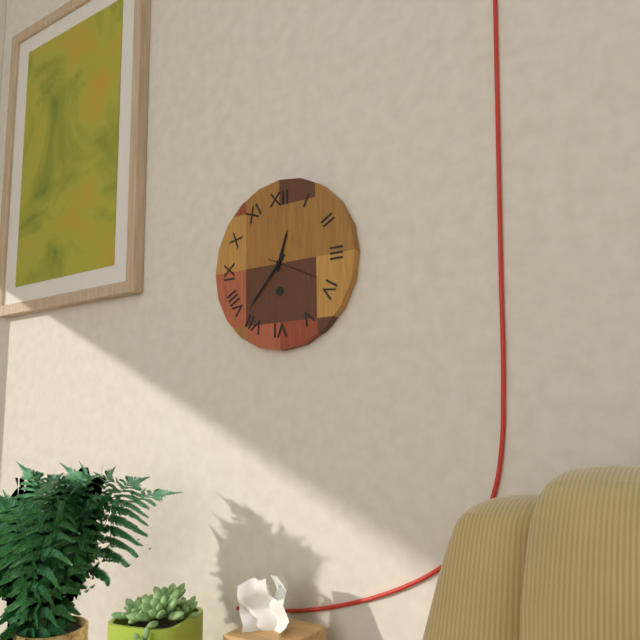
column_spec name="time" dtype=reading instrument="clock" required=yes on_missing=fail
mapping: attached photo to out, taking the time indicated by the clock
12:37:19
